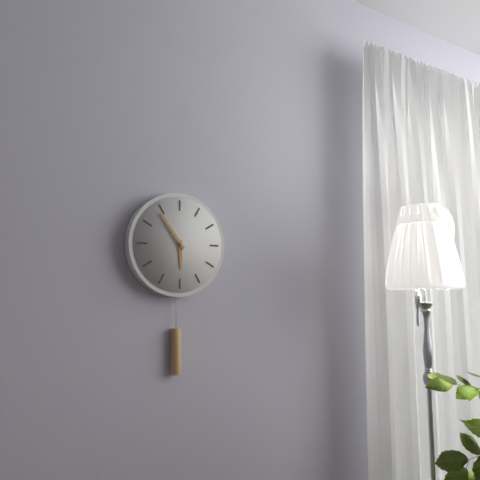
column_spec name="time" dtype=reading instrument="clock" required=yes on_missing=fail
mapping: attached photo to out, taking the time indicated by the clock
5:54
